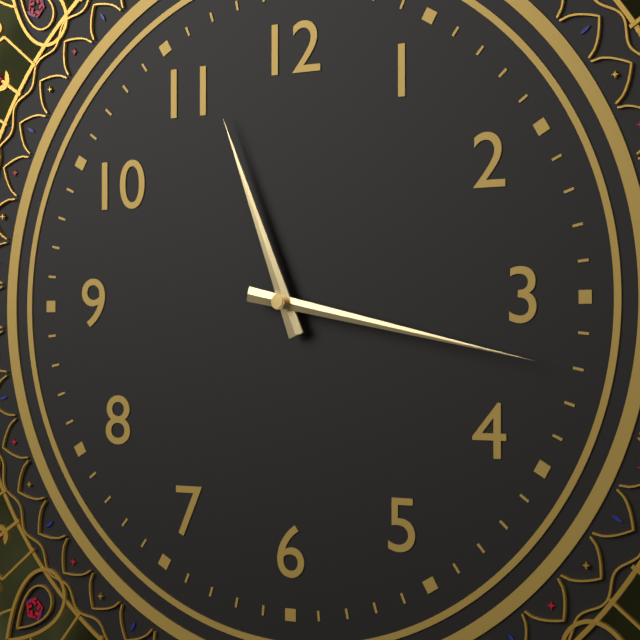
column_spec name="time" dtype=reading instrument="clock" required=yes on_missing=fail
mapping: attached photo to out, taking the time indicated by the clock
11:17
